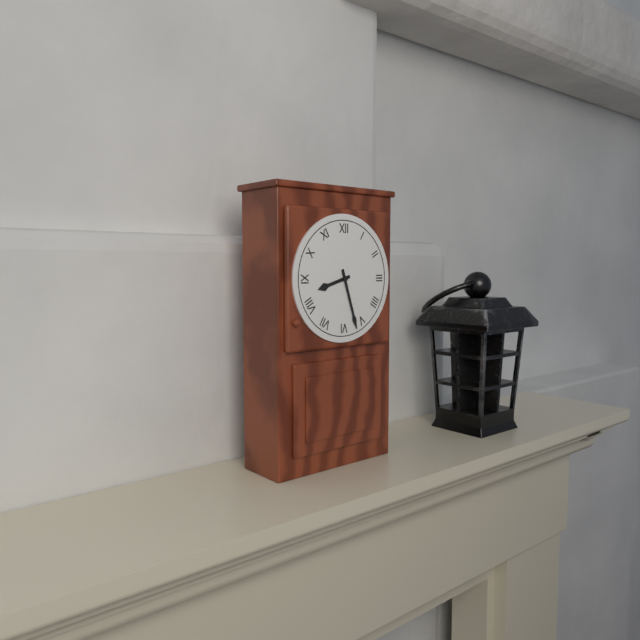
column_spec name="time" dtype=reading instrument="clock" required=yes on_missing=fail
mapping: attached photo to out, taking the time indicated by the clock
8:27
